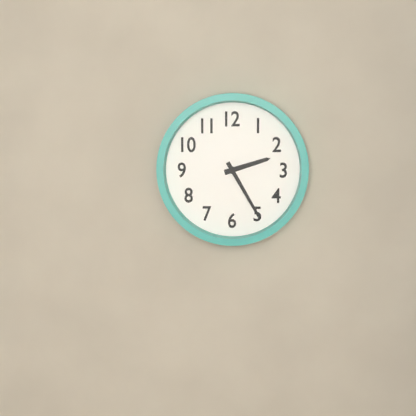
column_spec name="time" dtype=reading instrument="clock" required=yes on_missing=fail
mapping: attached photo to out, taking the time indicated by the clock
2:25
